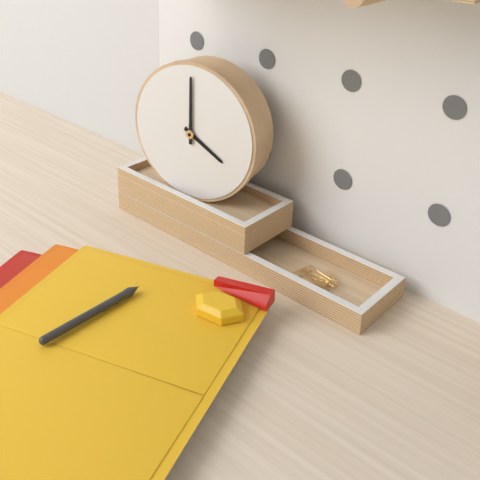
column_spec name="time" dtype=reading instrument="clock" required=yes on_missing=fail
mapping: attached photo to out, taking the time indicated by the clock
4:00
